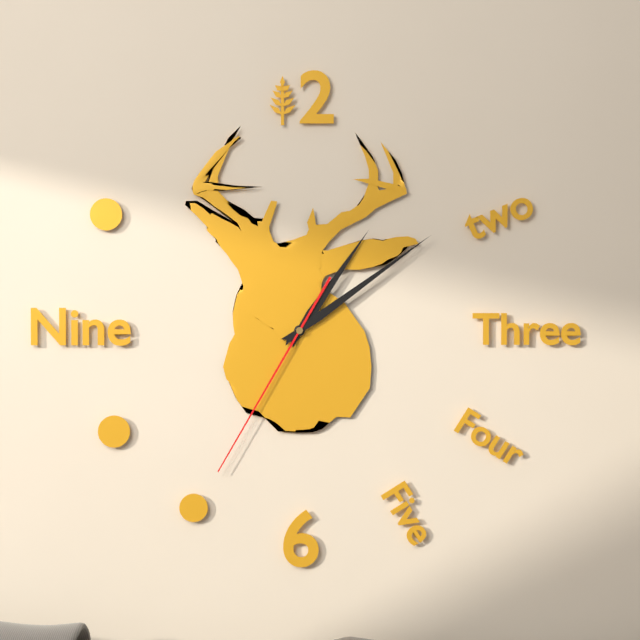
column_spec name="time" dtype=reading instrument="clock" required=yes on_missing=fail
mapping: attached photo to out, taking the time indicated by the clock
1:09:35
